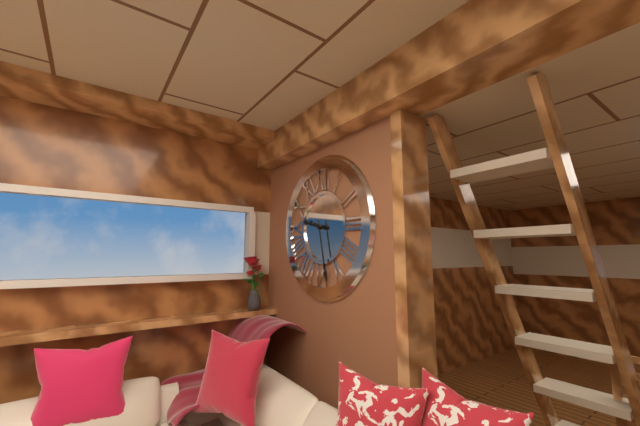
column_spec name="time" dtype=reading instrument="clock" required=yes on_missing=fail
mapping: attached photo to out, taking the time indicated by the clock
9:28
